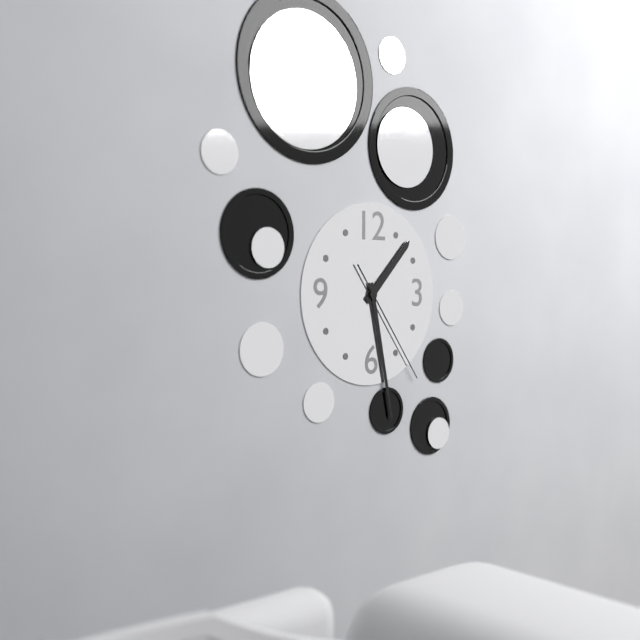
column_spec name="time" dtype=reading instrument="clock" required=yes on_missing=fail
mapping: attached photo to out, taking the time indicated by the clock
1:28:24
